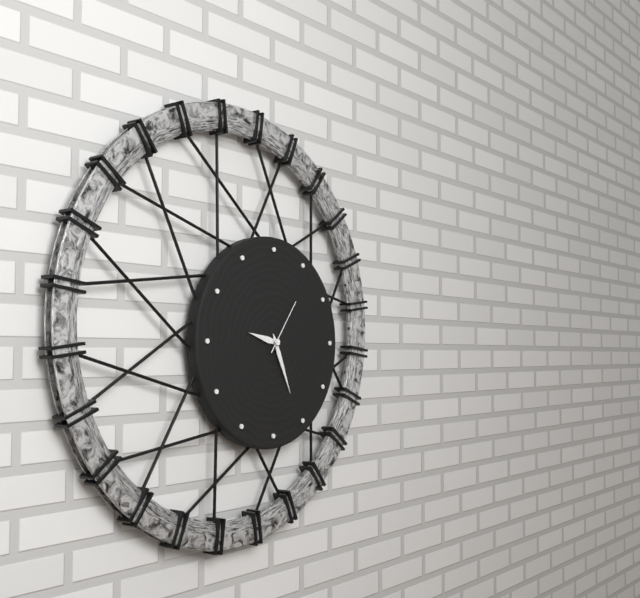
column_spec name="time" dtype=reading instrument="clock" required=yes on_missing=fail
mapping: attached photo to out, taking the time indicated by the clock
9:26:06
